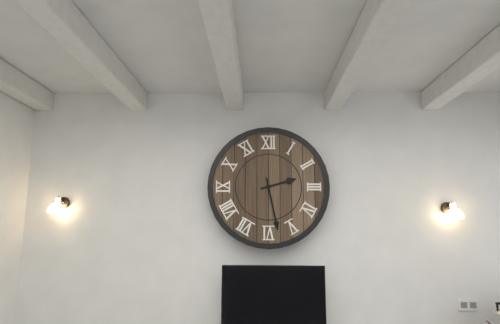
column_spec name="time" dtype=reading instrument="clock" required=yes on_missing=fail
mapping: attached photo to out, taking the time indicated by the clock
2:28
